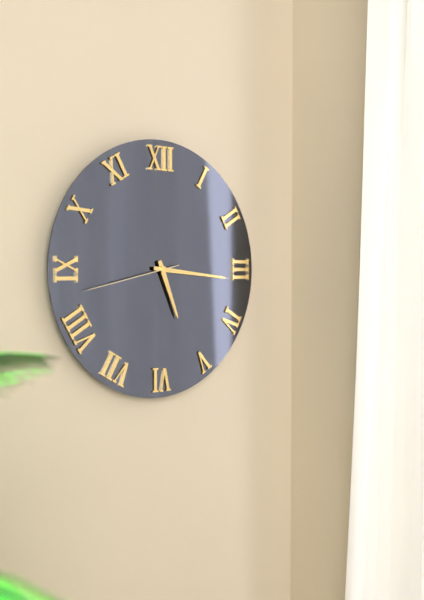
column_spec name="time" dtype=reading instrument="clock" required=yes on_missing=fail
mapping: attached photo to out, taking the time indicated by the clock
5:16:43
